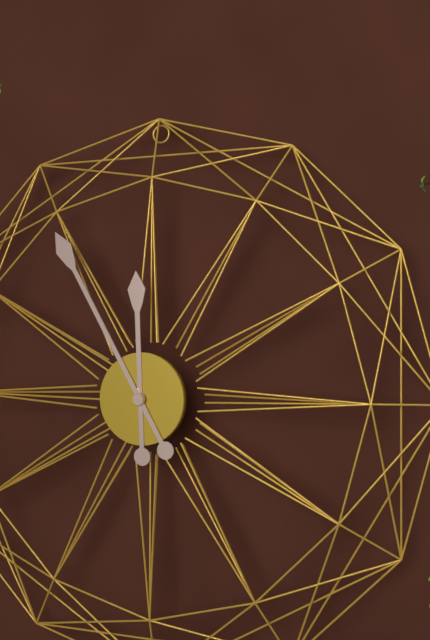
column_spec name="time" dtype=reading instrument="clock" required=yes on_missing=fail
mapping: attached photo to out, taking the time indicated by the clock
11:55
